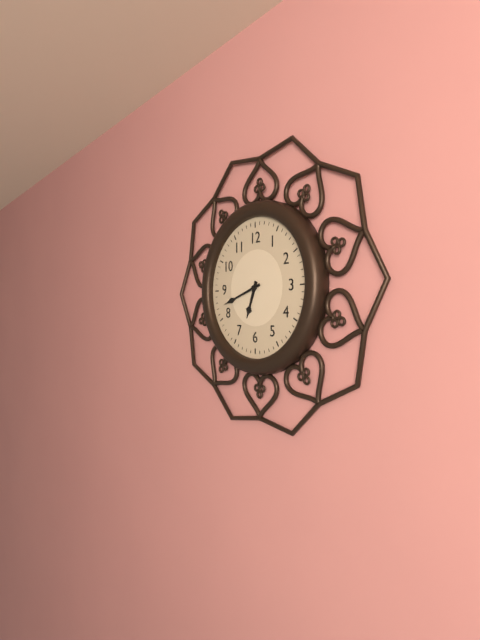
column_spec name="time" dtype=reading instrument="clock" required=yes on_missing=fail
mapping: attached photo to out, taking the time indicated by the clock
6:42
